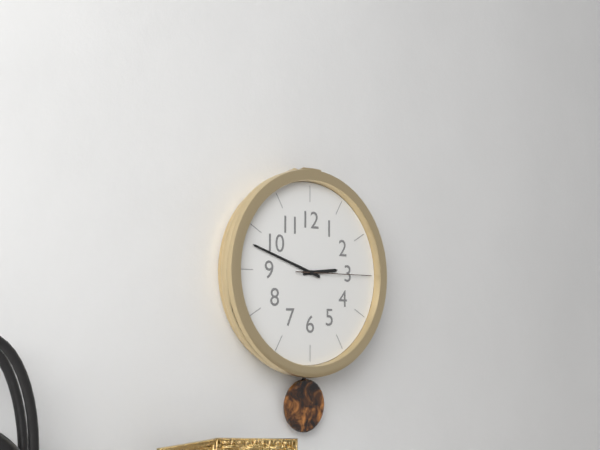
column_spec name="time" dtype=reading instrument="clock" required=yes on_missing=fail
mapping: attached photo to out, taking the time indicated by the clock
2:48:15
